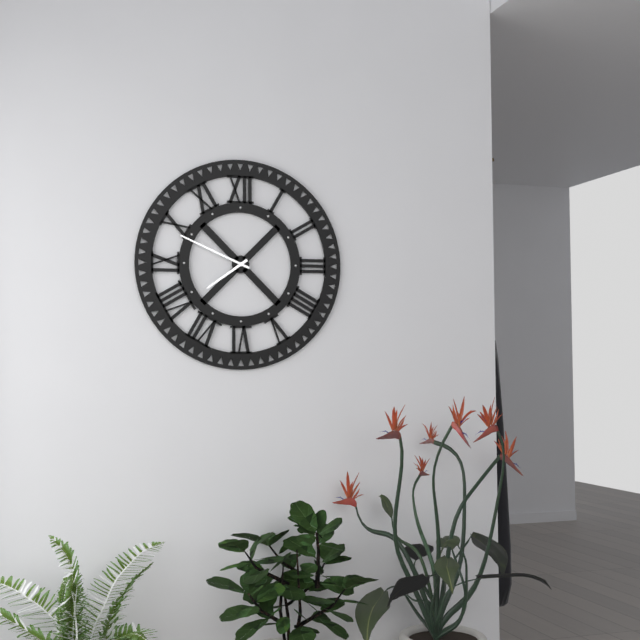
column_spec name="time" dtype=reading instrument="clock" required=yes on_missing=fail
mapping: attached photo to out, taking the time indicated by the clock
7:49
